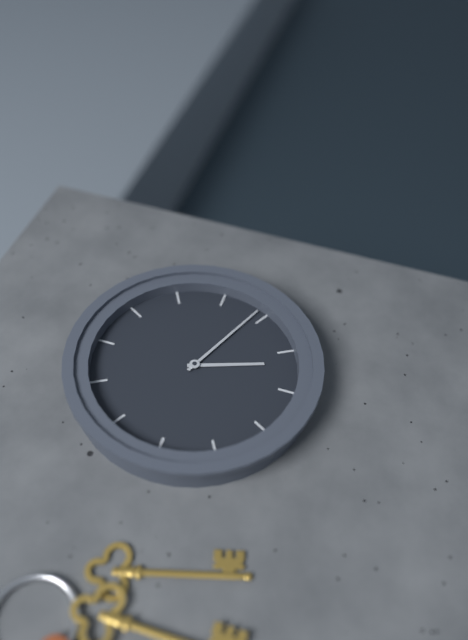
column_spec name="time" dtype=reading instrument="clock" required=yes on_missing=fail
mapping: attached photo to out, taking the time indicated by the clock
5:19
